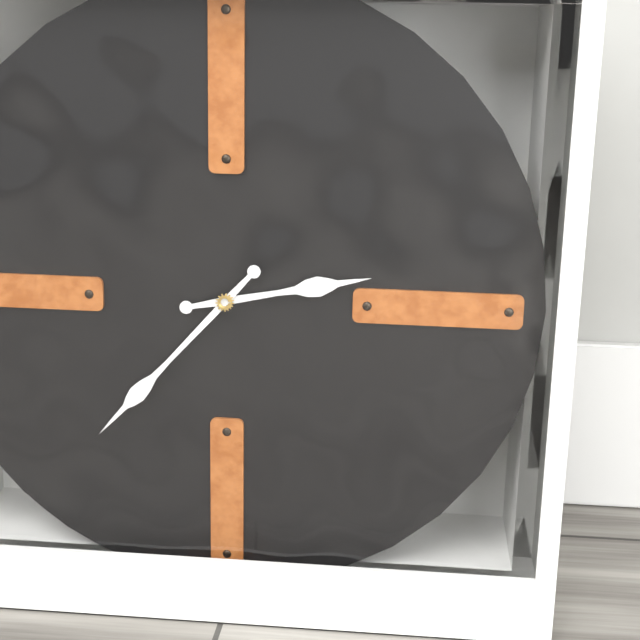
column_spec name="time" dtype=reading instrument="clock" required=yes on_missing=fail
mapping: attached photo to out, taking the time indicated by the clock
2:37
